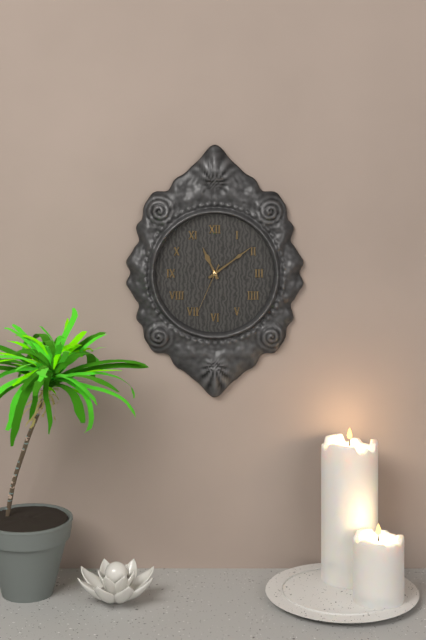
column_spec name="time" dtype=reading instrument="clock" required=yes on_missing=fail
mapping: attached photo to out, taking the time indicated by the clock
11:09:34
